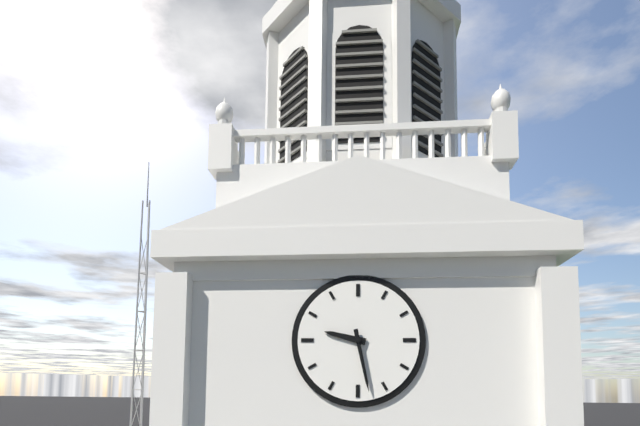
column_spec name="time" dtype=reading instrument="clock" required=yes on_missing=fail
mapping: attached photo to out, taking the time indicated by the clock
9:28
